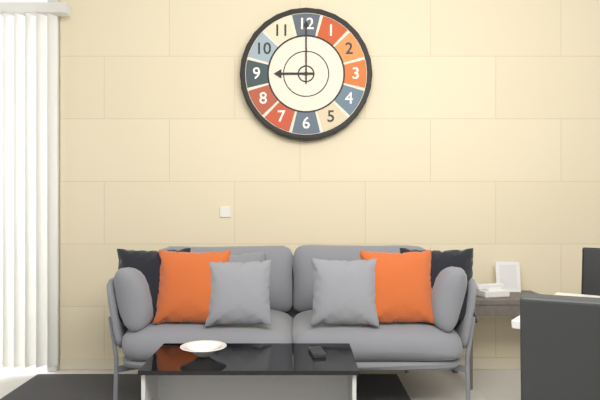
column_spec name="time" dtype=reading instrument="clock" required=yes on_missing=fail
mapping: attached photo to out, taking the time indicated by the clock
9:00
